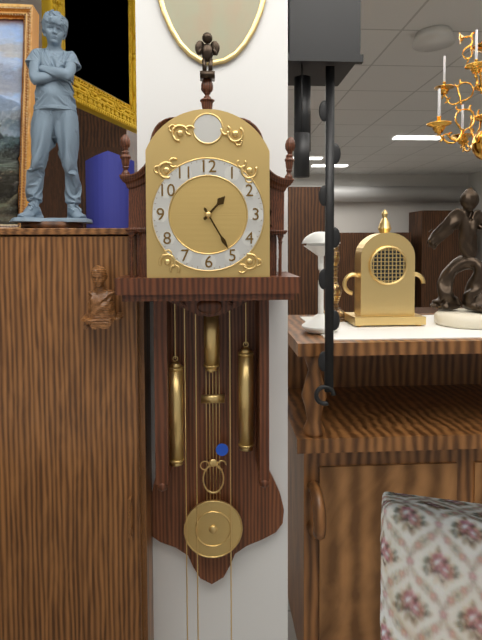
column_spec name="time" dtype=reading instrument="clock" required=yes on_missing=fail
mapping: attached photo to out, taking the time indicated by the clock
1:25
